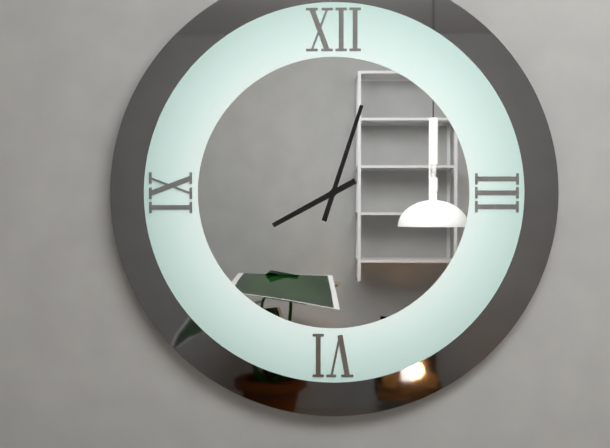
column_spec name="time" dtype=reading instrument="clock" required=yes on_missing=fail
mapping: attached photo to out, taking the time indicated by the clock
8:03
